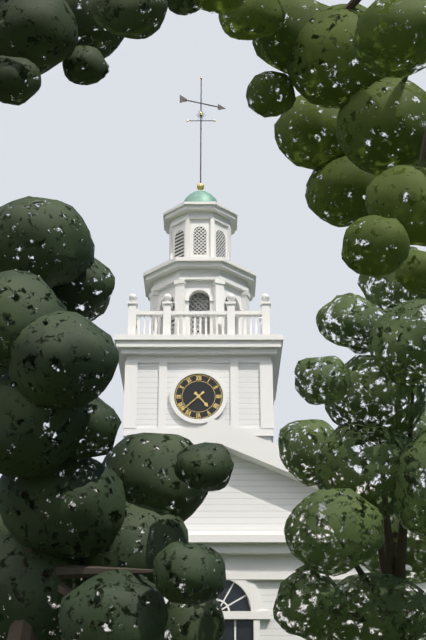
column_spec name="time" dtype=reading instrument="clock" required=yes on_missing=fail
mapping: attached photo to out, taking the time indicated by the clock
4:38
